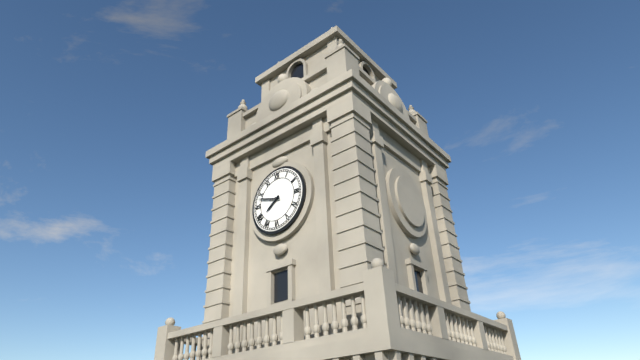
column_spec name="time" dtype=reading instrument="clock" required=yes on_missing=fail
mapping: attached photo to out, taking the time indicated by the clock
7:48
